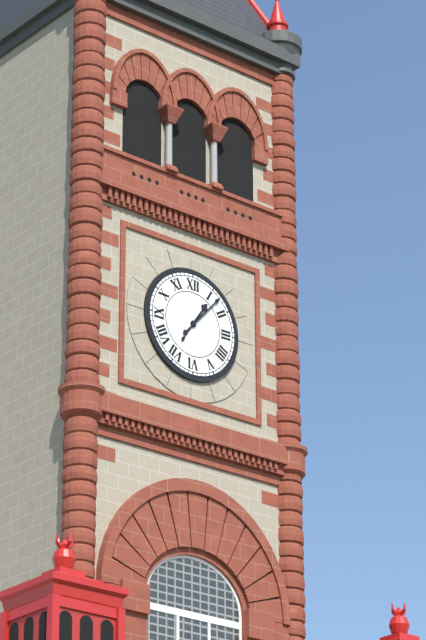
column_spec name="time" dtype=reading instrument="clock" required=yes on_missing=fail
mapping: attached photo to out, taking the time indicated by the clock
1:07
